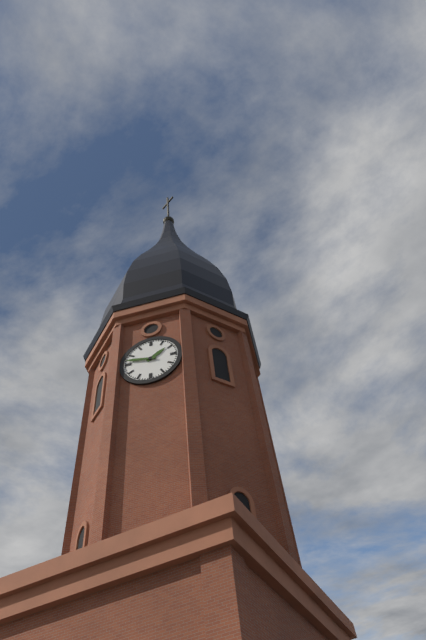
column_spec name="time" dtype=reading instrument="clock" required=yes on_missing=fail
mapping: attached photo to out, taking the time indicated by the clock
1:47
